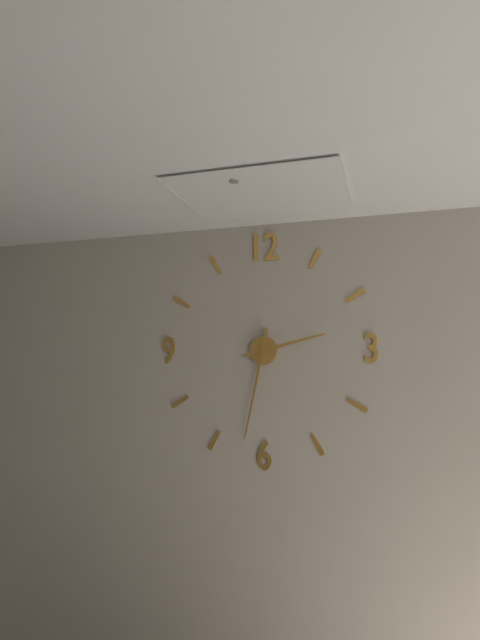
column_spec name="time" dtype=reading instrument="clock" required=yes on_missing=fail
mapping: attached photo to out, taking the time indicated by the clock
2:32
